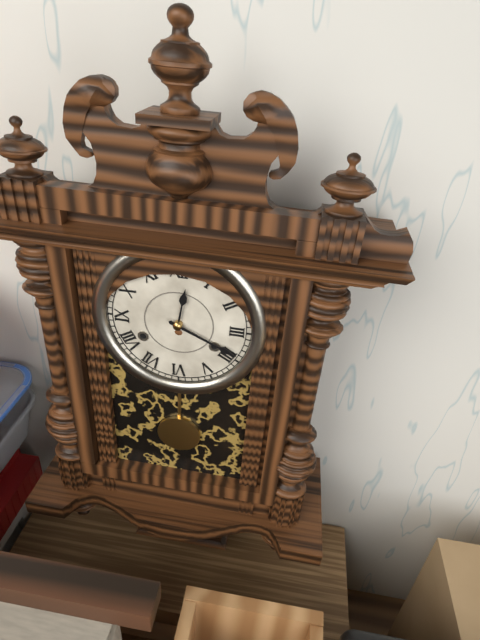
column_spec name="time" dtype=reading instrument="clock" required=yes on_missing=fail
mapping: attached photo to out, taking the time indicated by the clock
12:19
